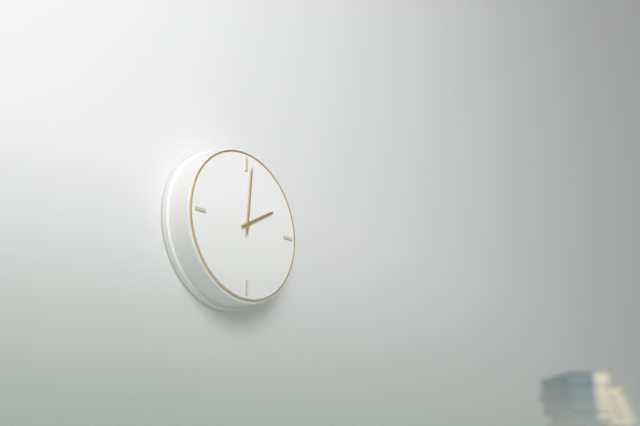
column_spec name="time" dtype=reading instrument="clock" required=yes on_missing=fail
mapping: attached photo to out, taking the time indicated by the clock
2:01
